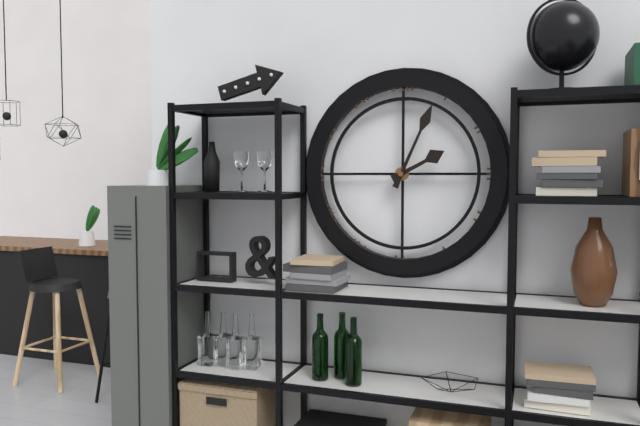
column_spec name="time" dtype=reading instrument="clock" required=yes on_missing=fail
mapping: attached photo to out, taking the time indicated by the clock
2:04
